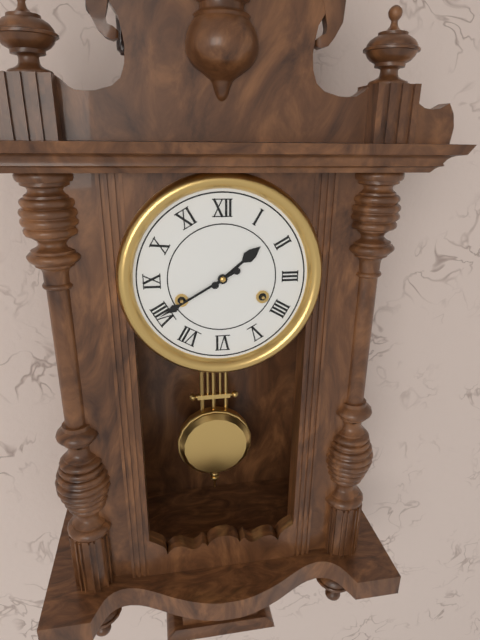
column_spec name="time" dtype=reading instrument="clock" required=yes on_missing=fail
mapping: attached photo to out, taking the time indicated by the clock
1:40
